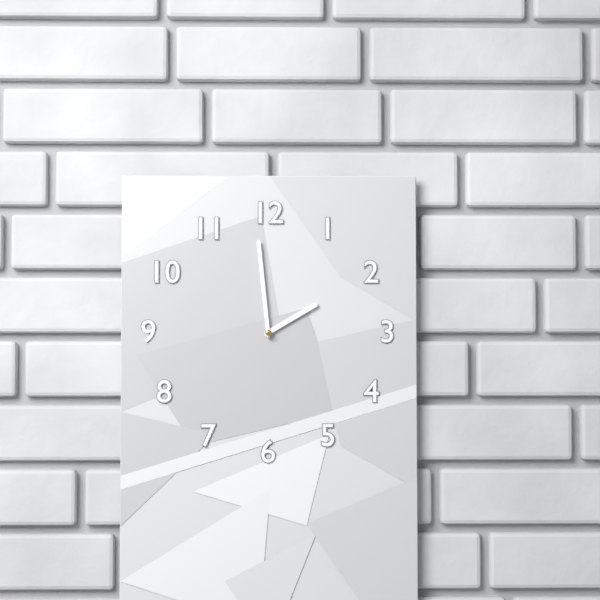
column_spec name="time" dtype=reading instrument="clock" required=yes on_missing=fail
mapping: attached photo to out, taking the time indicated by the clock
1:59
